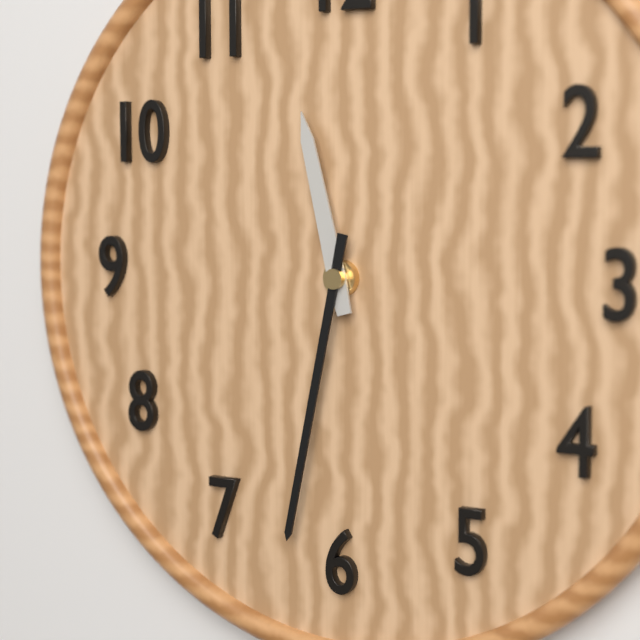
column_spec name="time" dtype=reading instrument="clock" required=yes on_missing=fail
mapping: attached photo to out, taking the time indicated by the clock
11:32
